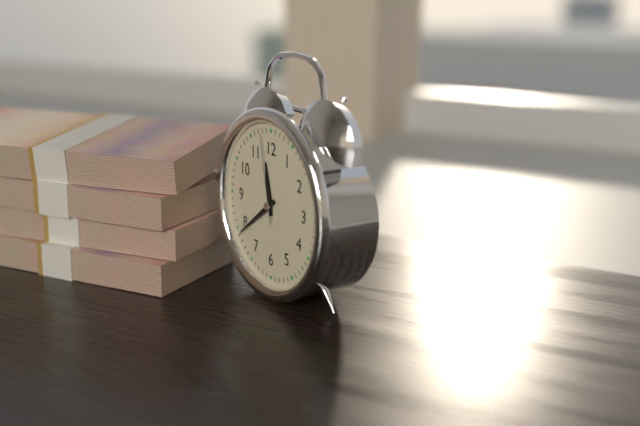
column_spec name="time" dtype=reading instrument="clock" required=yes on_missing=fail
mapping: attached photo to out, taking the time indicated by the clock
11:39:58
